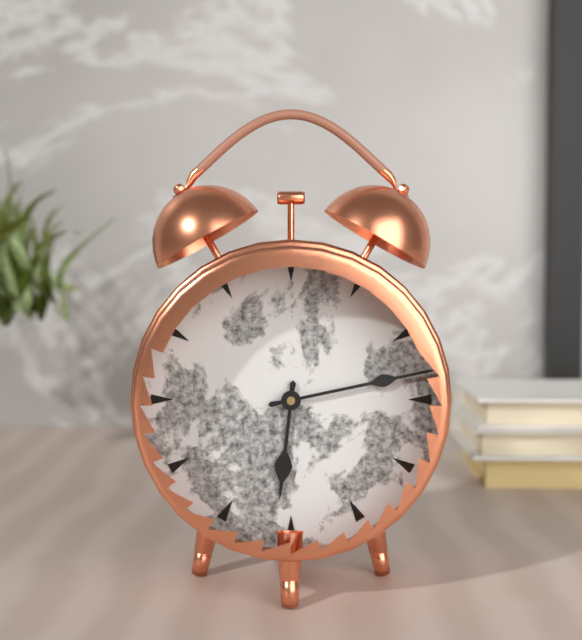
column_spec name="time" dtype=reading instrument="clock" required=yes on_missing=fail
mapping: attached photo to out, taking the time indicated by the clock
6:13
